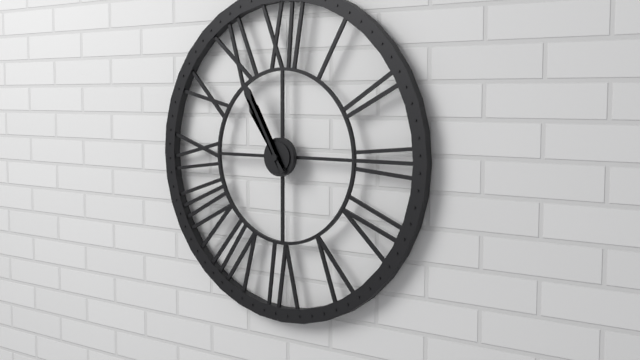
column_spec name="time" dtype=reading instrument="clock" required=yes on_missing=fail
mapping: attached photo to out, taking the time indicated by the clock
10:55
